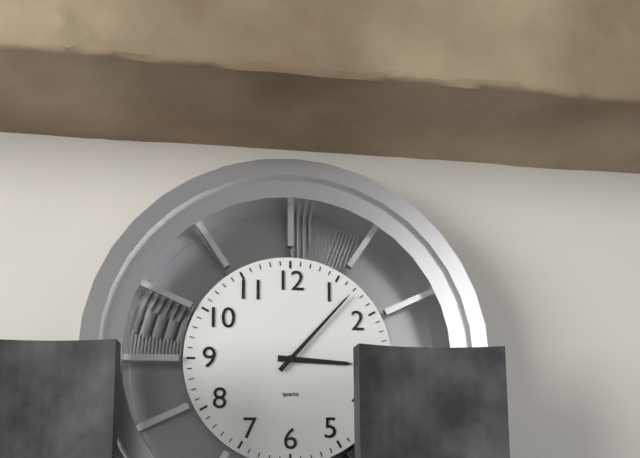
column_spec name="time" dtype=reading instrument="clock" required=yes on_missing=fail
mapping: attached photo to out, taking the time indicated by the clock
3:07
